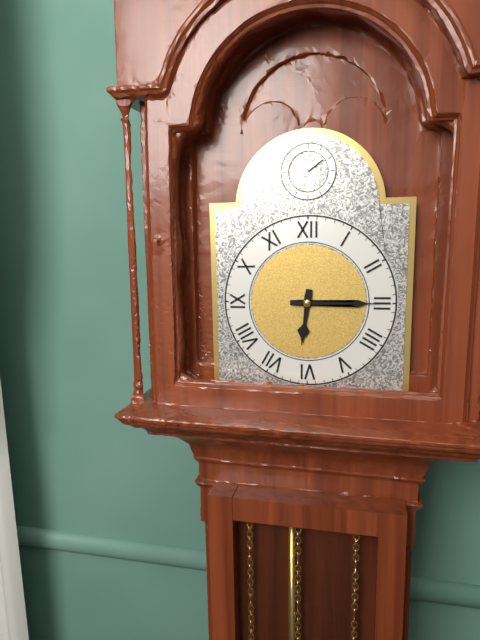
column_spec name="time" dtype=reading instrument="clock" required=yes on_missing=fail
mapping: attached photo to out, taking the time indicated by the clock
6:15
